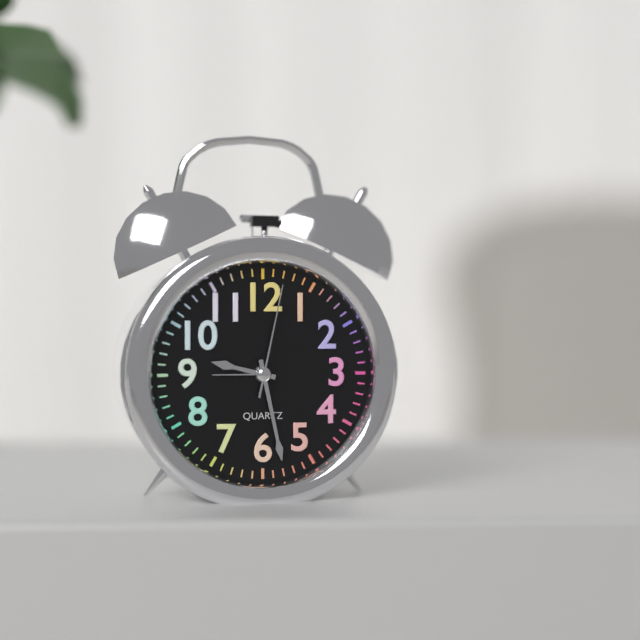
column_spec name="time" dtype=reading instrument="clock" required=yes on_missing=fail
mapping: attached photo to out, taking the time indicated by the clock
9:28:02
